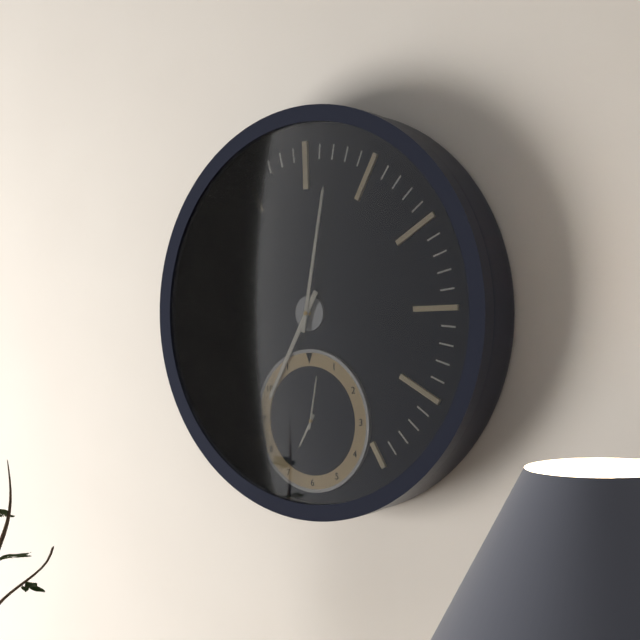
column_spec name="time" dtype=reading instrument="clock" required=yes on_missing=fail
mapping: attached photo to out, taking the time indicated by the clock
7:02
